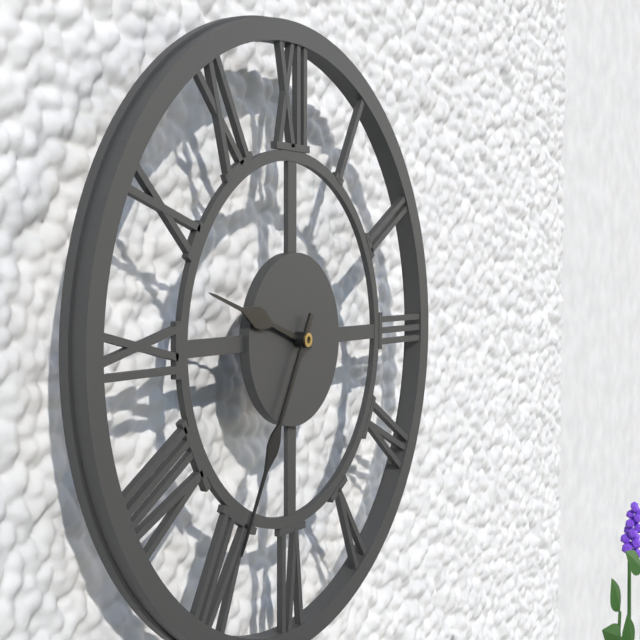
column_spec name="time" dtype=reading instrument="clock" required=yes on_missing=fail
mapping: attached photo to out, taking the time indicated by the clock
9:35
